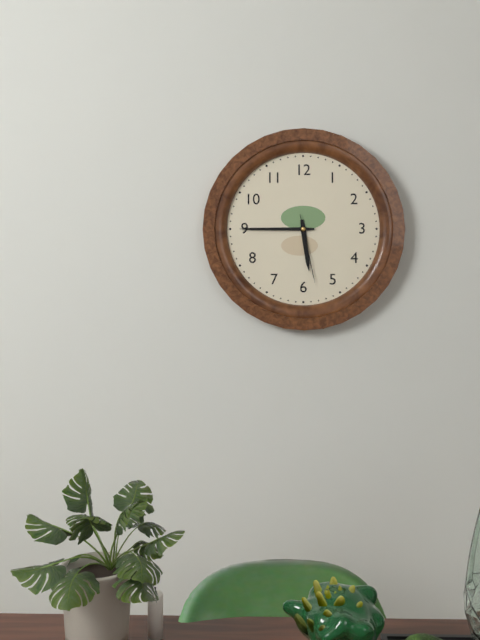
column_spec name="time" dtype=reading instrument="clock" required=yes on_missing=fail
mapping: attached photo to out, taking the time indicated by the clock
5:45:28
